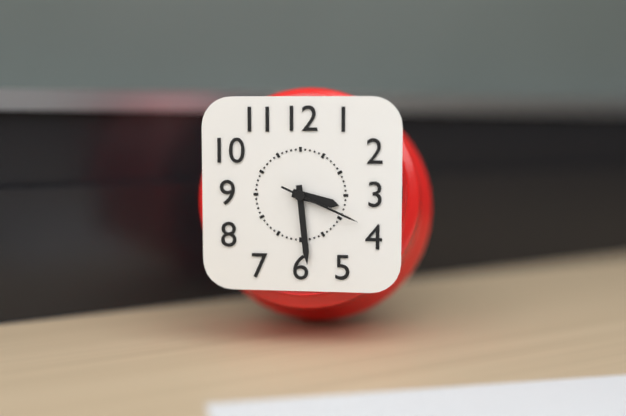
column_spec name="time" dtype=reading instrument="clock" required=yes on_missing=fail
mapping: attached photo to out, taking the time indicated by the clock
3:29:19
